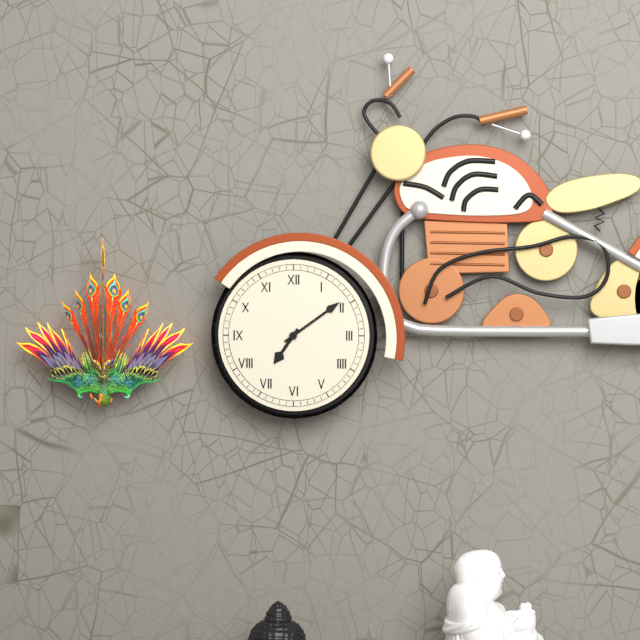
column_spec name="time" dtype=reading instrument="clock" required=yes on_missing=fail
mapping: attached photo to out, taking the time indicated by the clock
7:09
